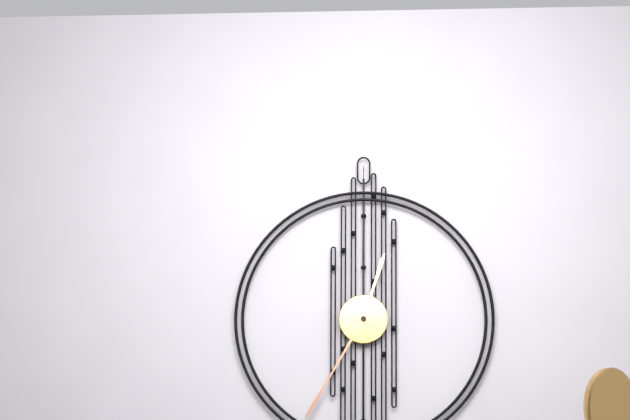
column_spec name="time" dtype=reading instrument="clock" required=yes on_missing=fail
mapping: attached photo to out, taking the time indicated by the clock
12:35
